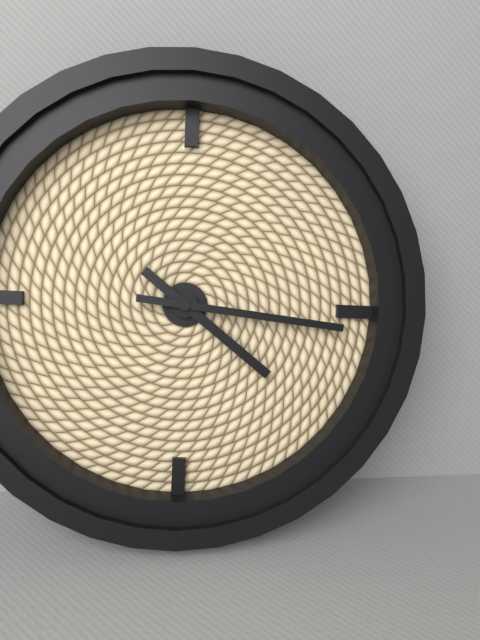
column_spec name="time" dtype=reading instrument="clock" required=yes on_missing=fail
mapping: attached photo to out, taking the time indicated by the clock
4:16
